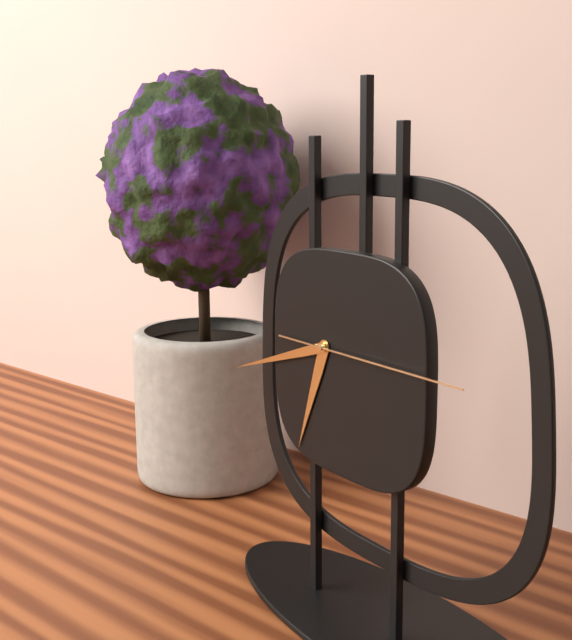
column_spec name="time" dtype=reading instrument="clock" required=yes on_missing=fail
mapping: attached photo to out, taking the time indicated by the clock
6:42:15
